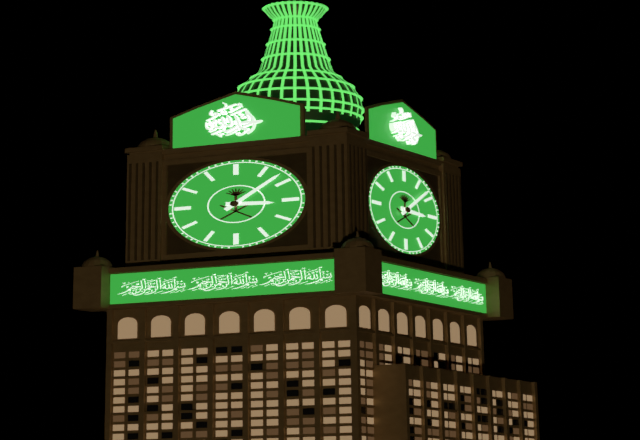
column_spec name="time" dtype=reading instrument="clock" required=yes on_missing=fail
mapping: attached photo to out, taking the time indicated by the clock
3:08
